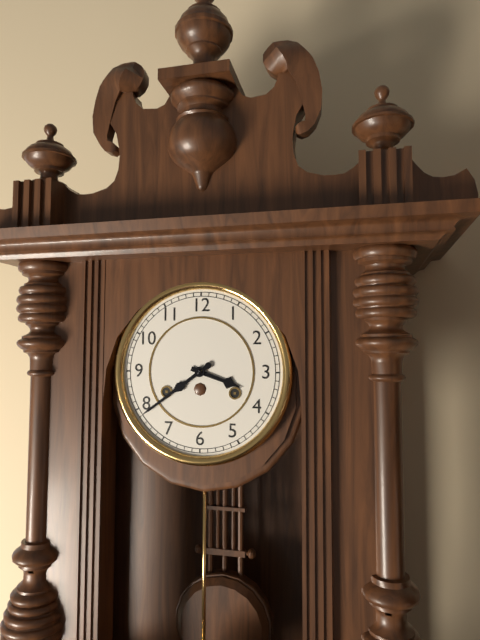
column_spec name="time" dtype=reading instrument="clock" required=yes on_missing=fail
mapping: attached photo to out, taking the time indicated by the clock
3:39
